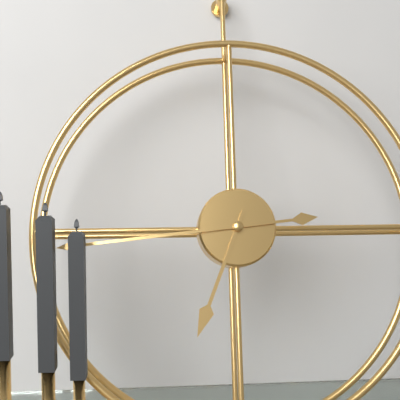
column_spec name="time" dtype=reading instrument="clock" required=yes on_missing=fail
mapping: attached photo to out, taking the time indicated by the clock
6:44
